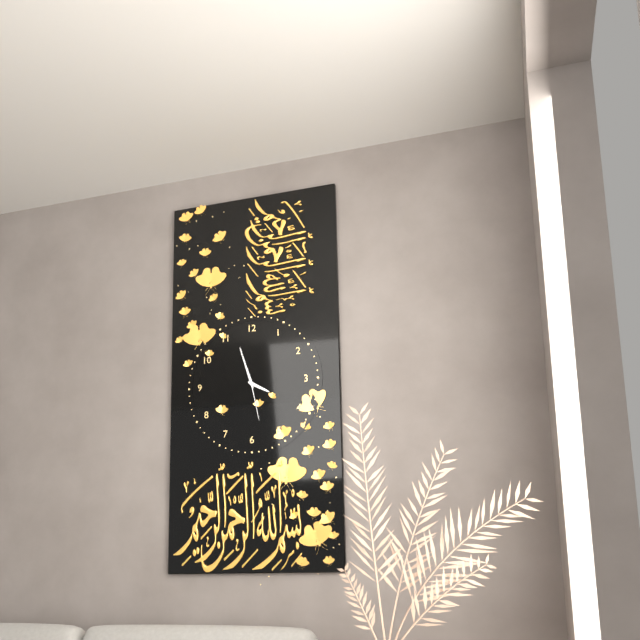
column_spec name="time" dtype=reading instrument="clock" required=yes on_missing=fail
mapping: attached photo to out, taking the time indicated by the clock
3:57
